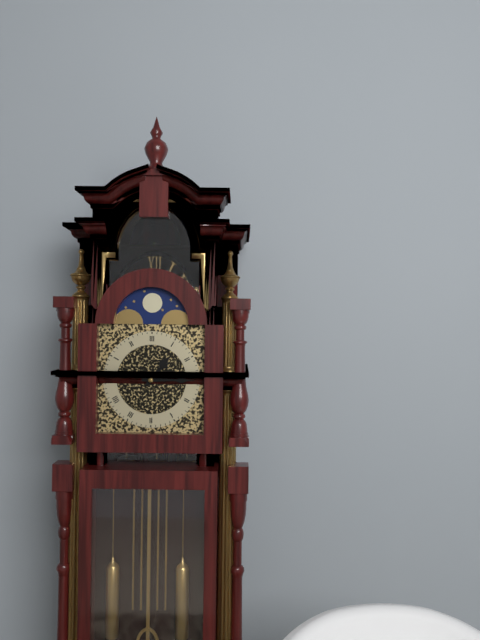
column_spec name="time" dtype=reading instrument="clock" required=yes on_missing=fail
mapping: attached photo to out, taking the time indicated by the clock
1:15
